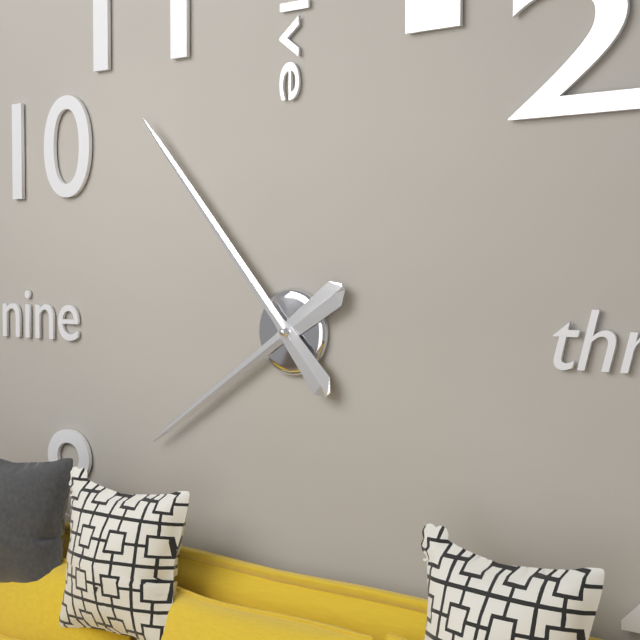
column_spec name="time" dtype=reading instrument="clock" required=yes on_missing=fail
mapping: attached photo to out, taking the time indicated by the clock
7:53
